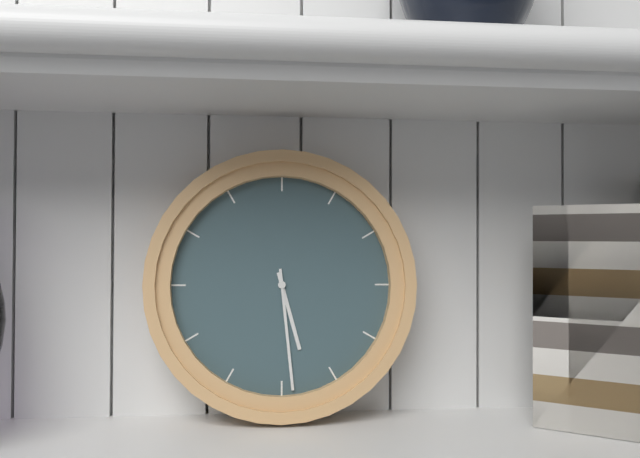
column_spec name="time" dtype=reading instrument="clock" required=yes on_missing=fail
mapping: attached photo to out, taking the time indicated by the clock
5:29
